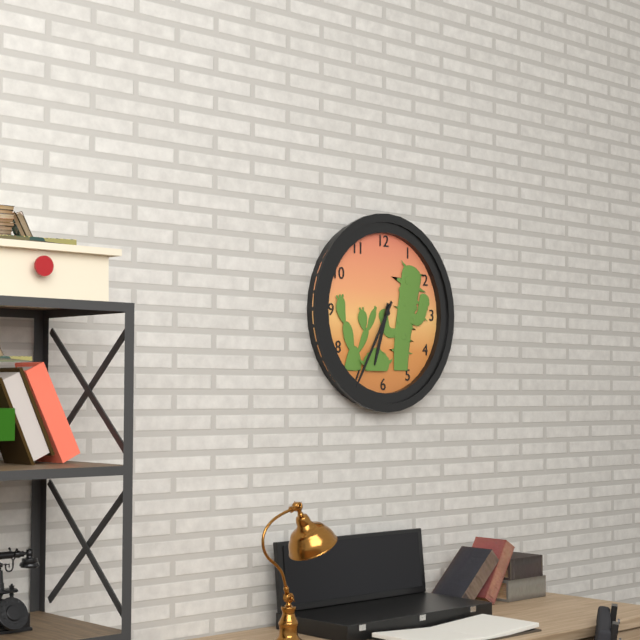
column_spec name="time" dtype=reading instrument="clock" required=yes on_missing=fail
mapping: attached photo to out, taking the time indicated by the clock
6:35
